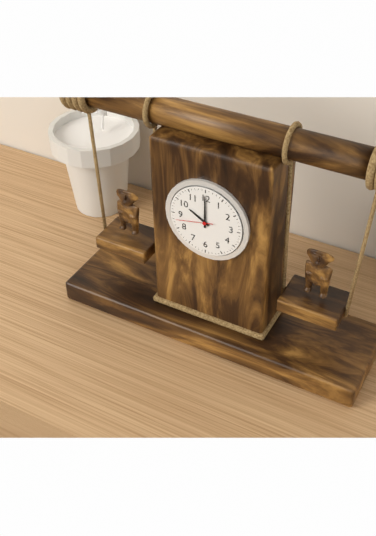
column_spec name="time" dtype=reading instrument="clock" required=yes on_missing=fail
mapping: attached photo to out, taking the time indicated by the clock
10:00
